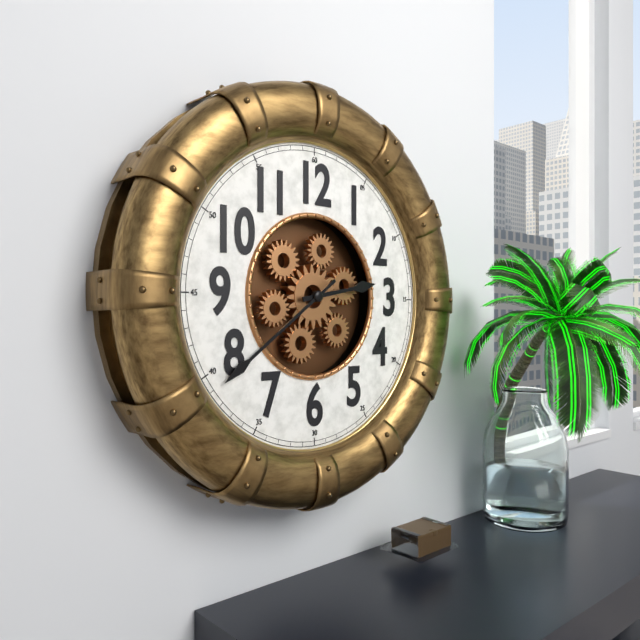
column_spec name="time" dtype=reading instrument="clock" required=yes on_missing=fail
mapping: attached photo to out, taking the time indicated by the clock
2:39
